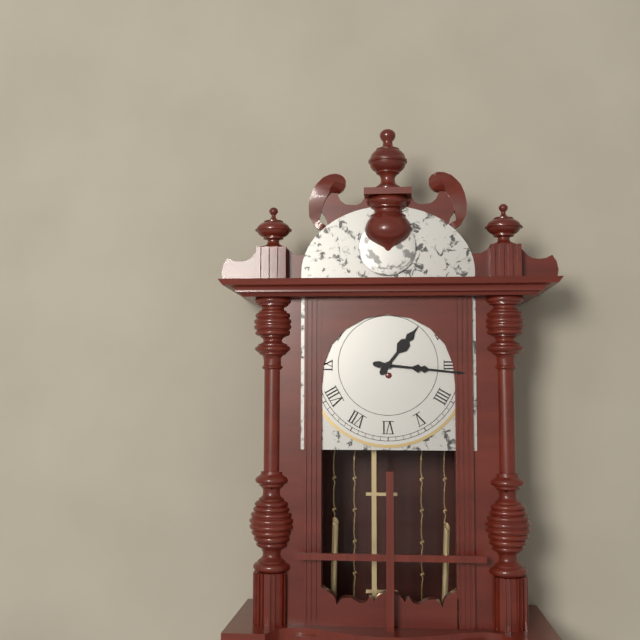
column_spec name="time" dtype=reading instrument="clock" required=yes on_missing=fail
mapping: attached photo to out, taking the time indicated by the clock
1:16
